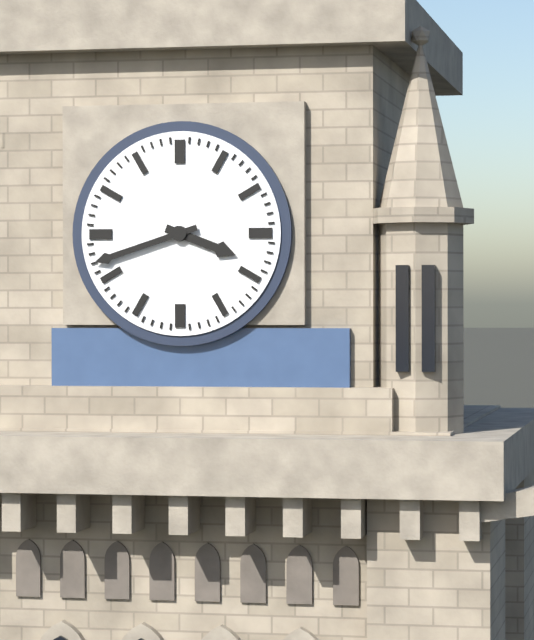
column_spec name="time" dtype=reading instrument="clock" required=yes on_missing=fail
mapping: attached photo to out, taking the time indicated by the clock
3:42
